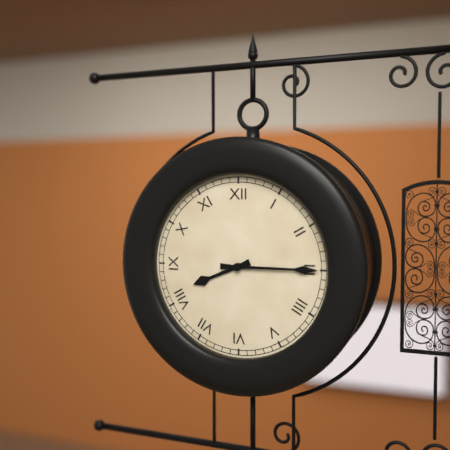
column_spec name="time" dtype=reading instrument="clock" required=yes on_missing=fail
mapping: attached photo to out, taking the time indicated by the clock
8:15
